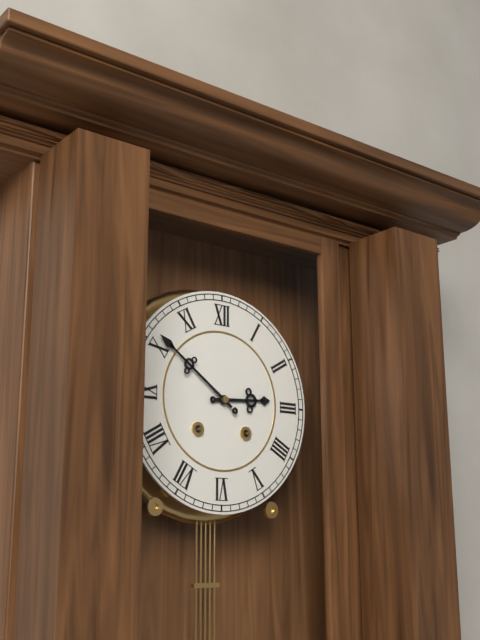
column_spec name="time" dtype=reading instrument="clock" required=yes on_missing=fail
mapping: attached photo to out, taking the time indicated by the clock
2:51
